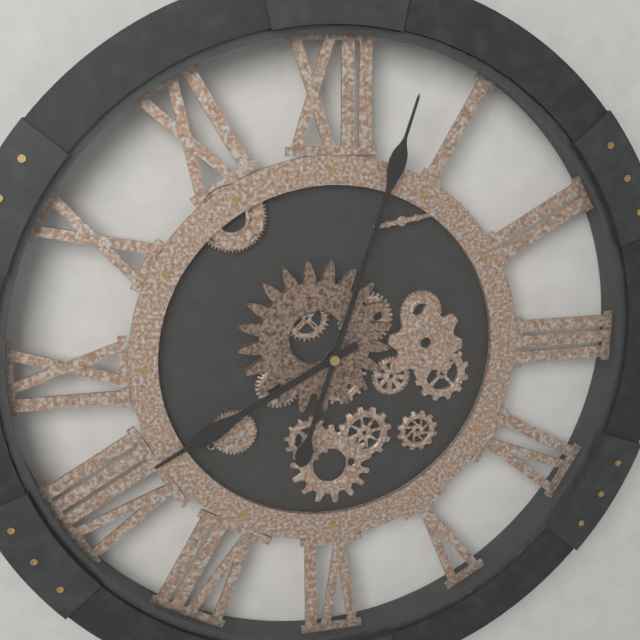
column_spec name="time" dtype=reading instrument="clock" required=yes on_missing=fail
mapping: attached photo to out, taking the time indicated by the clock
8:03
